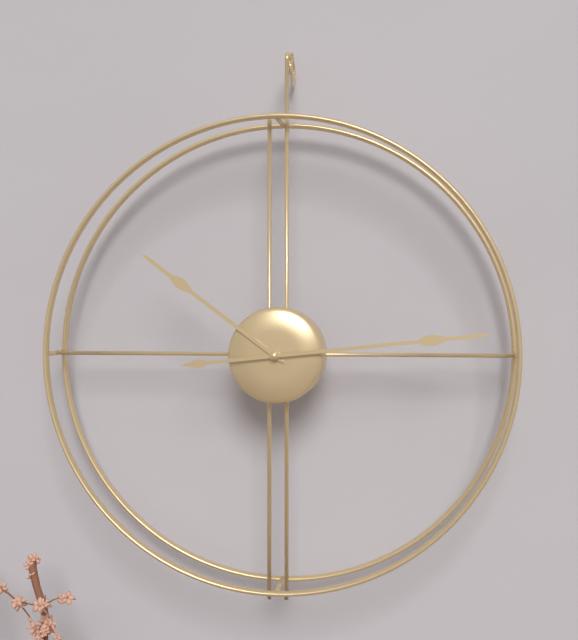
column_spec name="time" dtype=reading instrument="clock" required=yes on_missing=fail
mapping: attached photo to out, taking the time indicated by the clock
10:14
